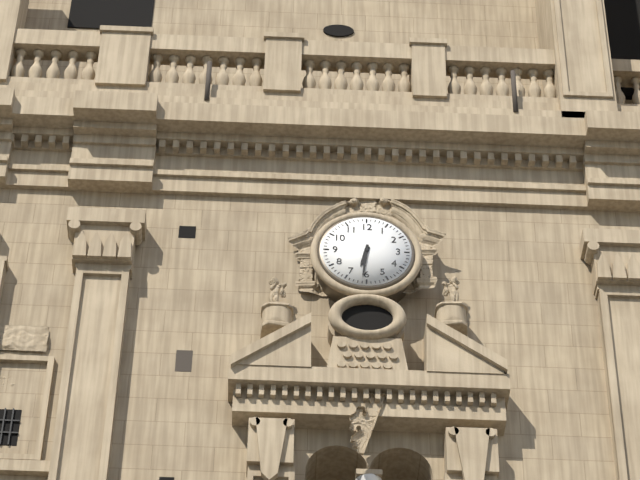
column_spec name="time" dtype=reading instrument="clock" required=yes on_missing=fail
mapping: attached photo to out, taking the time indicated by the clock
6:31
